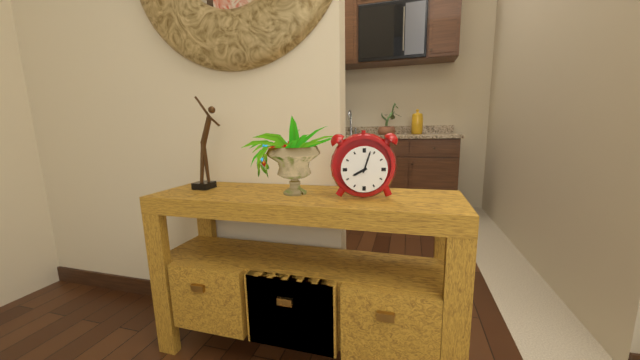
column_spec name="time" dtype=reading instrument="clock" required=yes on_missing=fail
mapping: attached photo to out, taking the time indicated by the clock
8:03
